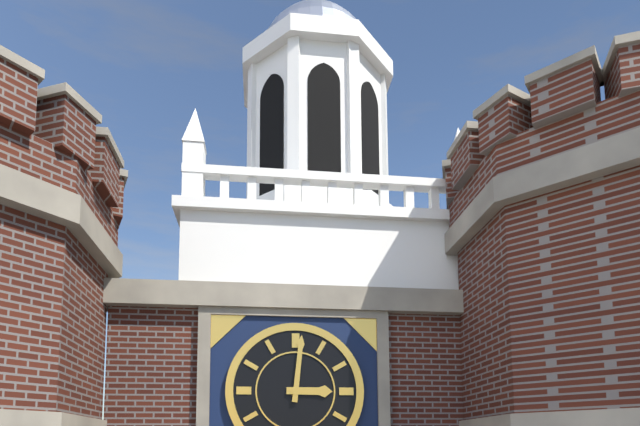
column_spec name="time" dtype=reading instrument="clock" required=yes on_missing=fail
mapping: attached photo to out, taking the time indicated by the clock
3:01
